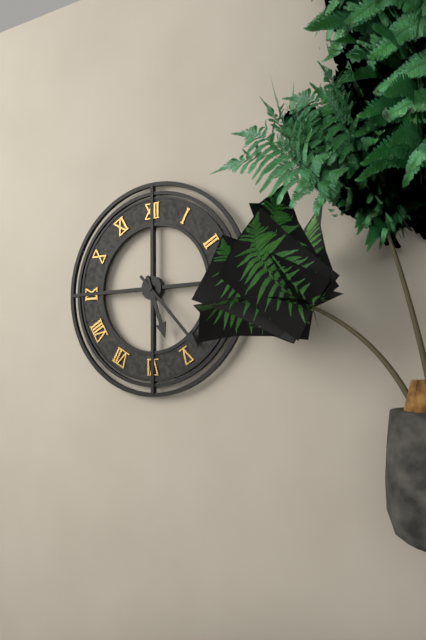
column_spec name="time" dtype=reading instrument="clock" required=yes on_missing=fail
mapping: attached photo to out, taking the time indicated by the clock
5:23
